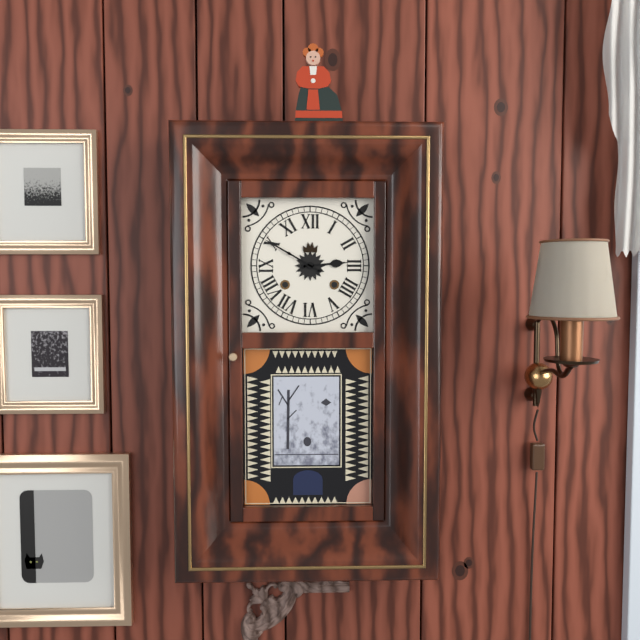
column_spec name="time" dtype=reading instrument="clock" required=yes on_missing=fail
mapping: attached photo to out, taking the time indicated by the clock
2:50
